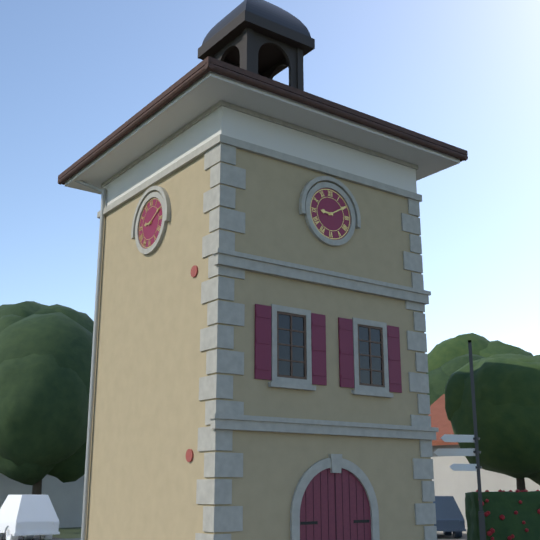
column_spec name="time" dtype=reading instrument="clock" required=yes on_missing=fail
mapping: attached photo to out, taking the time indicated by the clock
9:10
